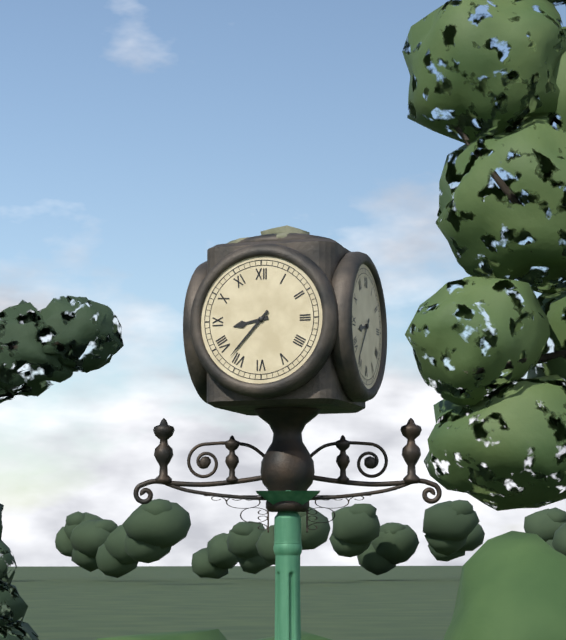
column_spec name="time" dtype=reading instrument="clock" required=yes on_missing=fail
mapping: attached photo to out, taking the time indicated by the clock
8:37
